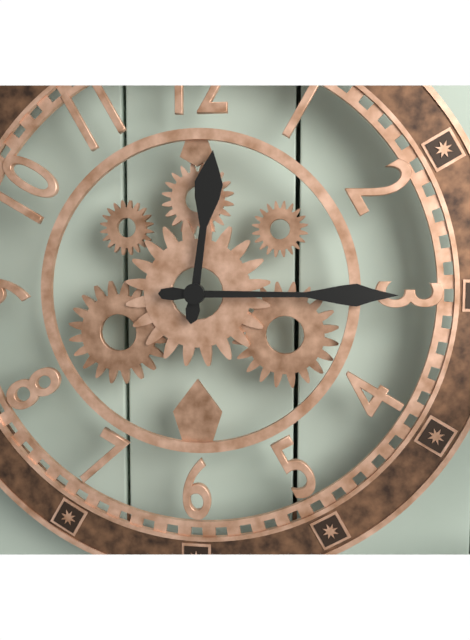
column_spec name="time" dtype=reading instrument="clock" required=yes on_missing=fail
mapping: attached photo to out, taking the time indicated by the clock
12:15
